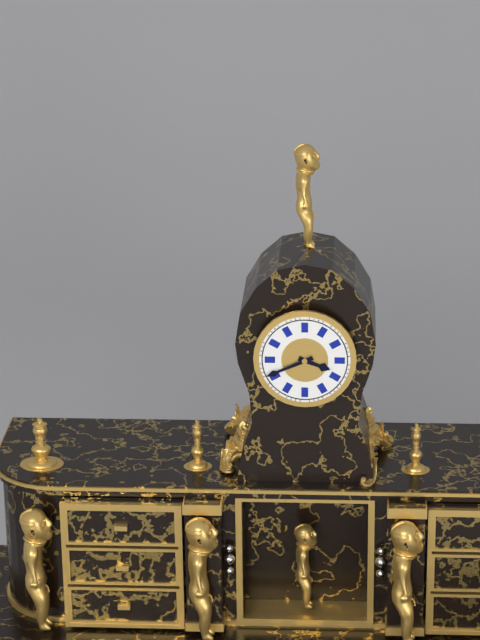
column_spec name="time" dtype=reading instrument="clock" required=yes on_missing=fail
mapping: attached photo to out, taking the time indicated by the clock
3:41
